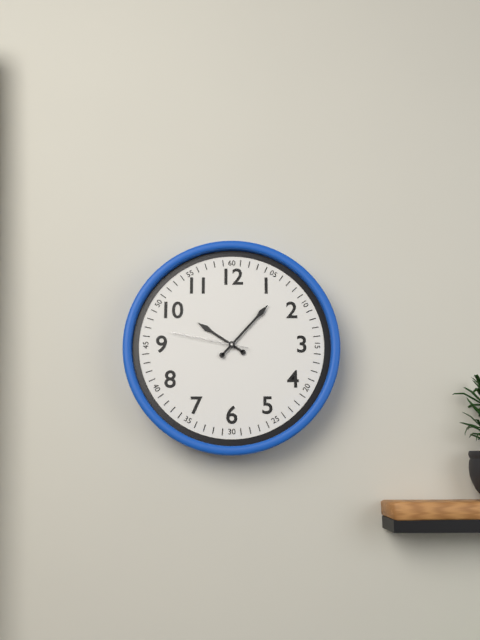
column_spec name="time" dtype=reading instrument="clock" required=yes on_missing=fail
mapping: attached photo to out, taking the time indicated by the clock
10:07:47
